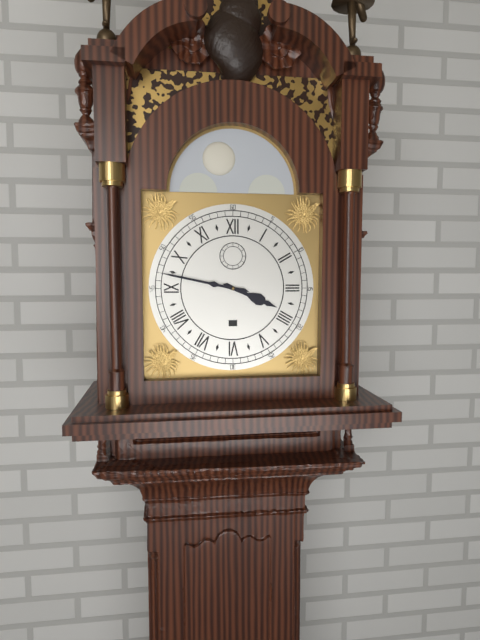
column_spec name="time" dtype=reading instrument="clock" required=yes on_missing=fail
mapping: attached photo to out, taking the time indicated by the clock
3:47
